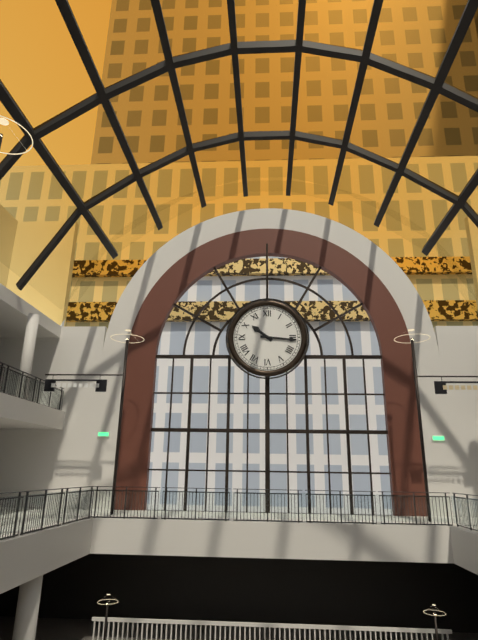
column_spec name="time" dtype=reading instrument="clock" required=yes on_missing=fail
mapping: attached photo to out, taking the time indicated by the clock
10:16
